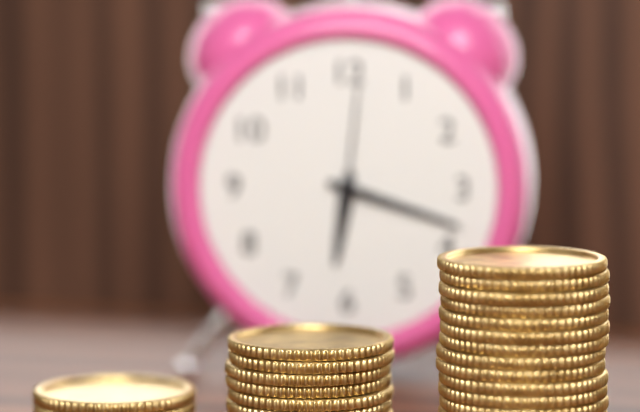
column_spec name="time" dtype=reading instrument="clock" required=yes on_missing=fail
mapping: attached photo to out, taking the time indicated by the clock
6:18:01
